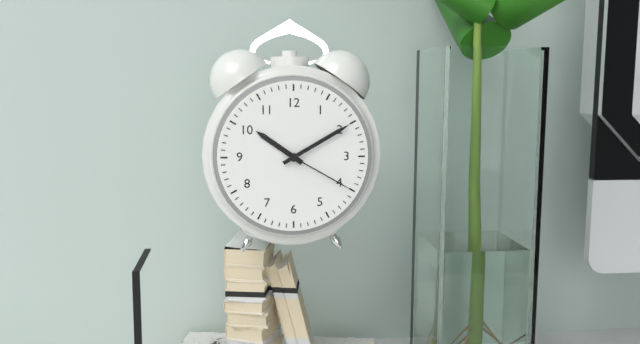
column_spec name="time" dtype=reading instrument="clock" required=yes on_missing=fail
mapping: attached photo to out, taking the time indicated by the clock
10:10:20
